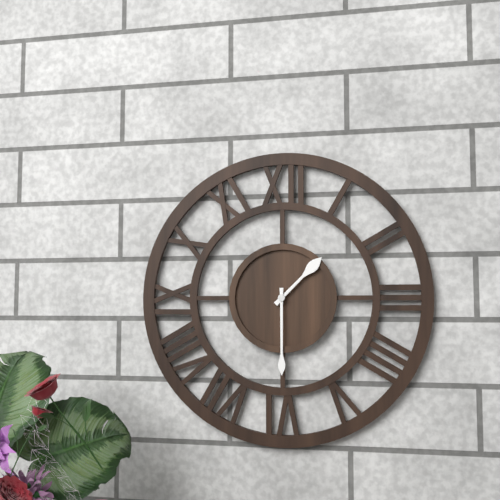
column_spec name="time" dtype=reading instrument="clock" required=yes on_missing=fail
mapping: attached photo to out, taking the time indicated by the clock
1:30
